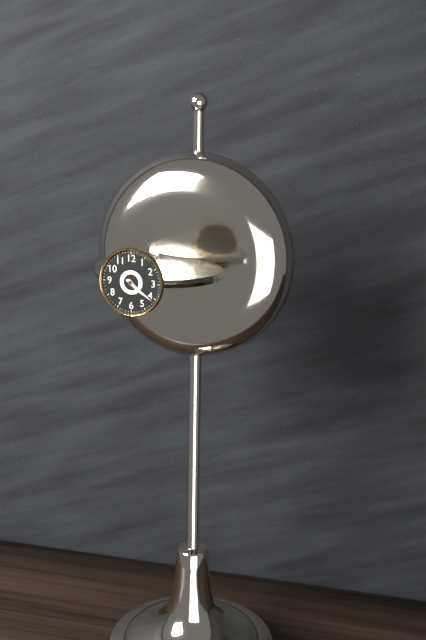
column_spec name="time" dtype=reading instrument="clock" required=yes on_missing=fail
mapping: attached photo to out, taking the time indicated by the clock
4:21
